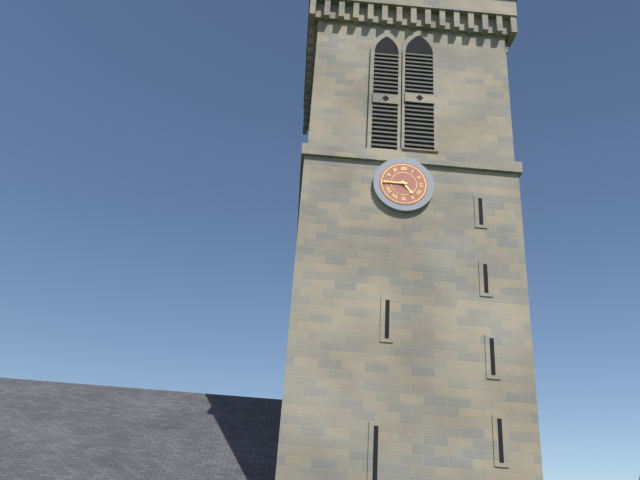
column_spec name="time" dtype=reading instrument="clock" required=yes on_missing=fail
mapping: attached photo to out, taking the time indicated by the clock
4:45
